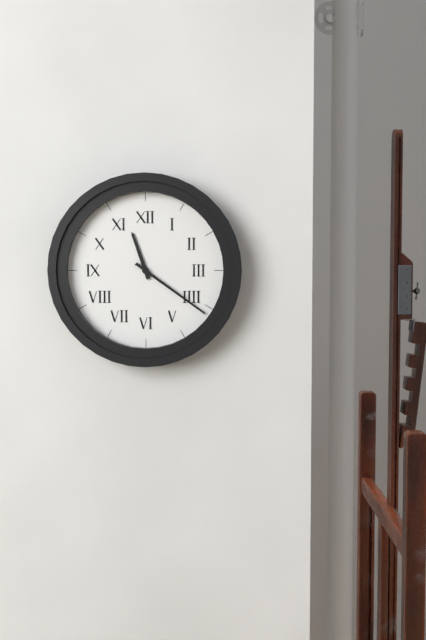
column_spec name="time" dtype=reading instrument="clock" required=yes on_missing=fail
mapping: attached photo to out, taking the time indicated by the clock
11:21
